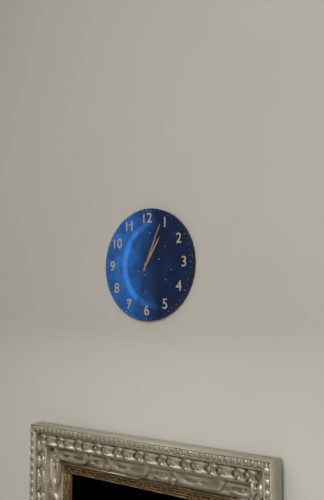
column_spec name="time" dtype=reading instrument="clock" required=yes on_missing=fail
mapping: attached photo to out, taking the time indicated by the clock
1:04
